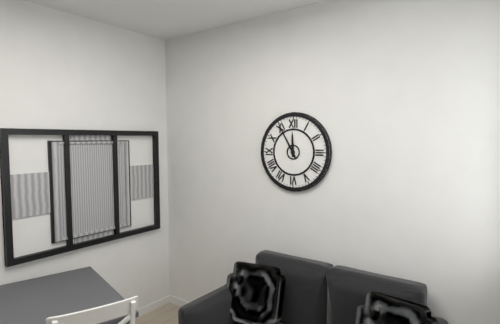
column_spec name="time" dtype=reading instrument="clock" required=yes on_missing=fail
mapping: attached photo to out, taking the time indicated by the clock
11:55
